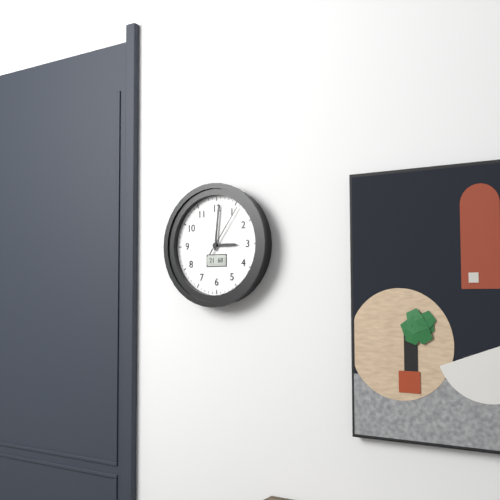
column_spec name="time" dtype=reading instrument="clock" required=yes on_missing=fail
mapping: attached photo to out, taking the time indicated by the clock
3:01:06
